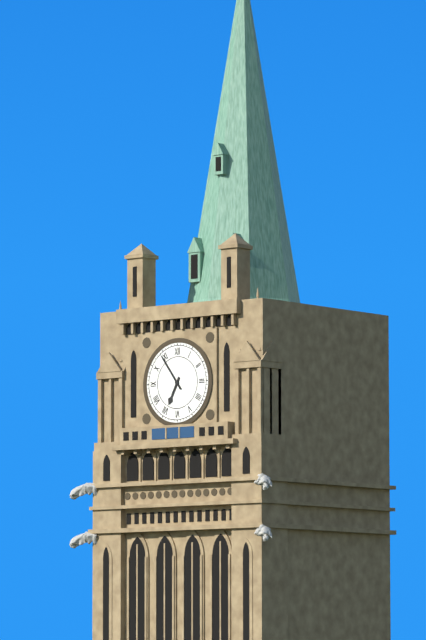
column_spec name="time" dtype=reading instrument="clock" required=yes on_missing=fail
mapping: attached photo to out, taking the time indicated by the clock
6:54
